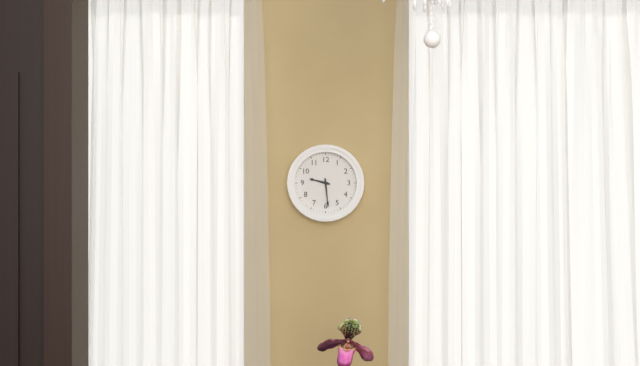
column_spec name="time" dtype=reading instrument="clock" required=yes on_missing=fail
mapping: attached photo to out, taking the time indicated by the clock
9:29
